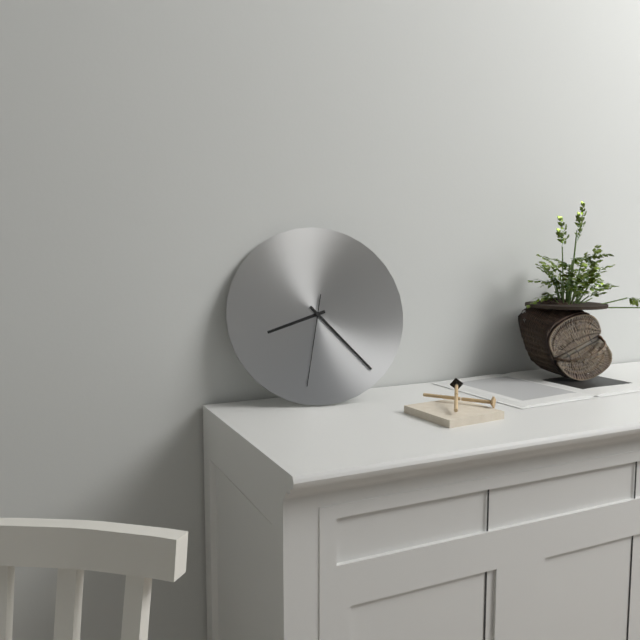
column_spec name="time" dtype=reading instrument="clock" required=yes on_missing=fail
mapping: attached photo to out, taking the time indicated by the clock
8:23:32
